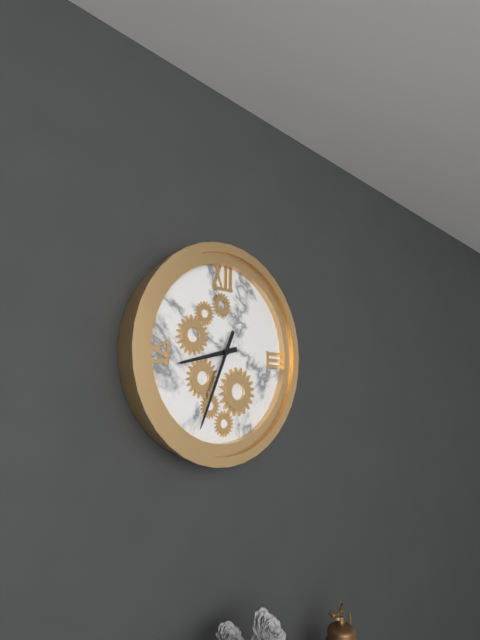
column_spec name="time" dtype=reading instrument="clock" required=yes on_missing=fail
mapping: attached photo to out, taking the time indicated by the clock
8:34
